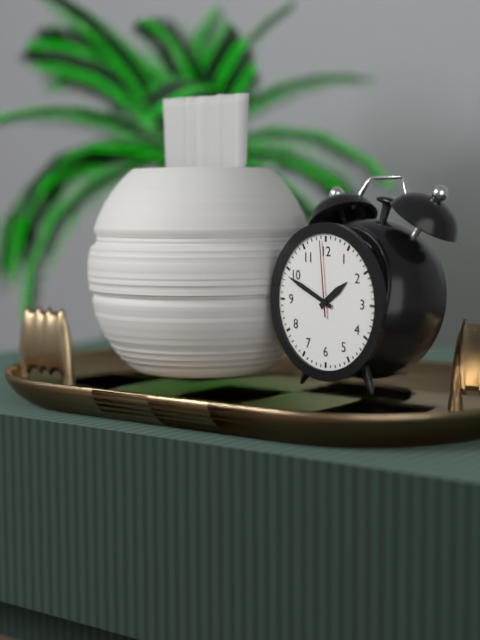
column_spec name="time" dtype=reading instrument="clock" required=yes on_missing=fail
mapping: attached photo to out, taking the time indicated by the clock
1:49:59
